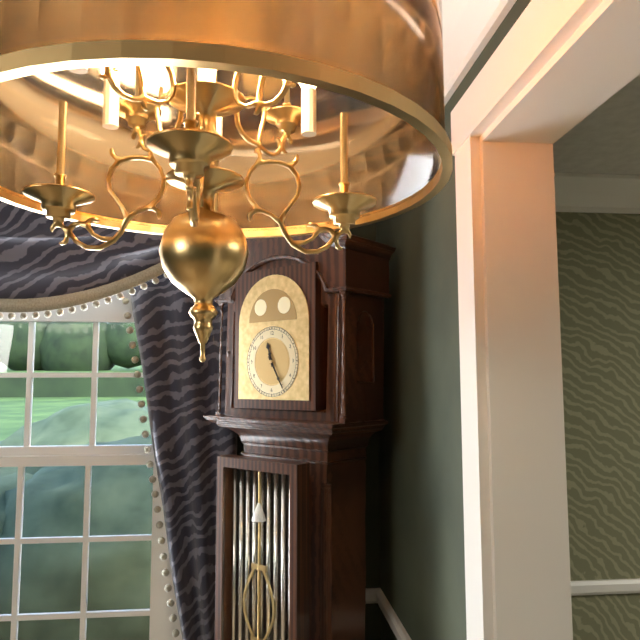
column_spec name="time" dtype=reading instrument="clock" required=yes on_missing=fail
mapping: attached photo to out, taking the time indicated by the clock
11:25
